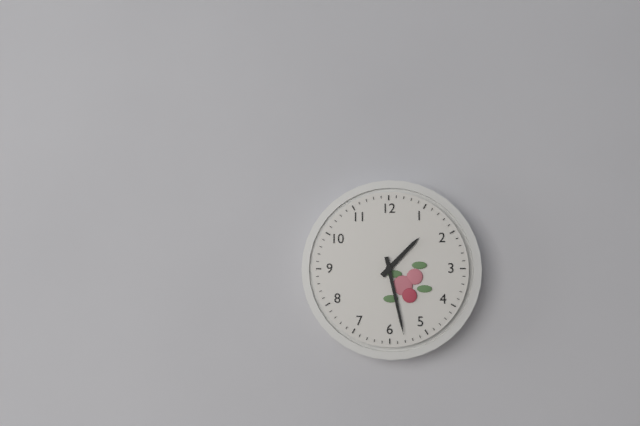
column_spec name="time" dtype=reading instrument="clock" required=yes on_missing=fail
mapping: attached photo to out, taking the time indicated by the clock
1:28
